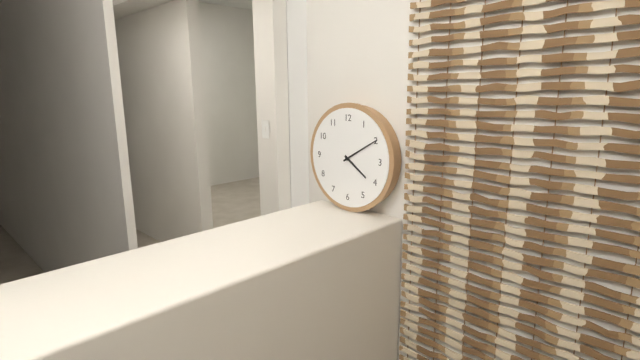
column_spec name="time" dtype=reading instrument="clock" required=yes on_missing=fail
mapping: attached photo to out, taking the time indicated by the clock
4:10
